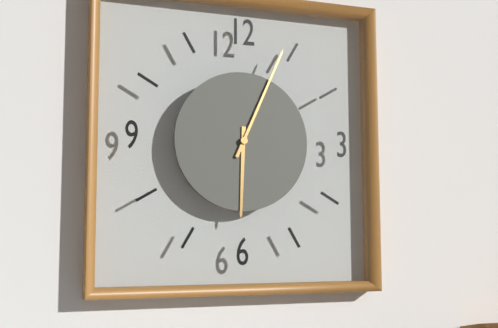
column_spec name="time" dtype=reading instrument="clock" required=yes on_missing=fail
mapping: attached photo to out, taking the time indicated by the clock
6:04
